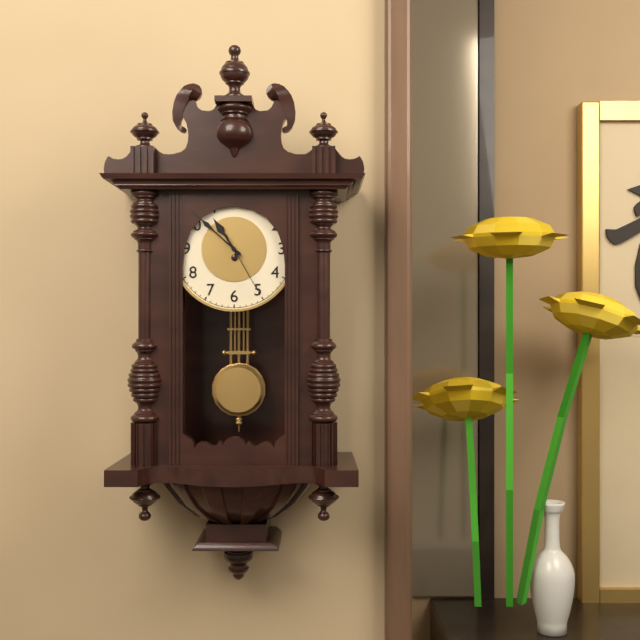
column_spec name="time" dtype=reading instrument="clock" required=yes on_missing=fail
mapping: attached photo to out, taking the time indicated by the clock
10:52:25
